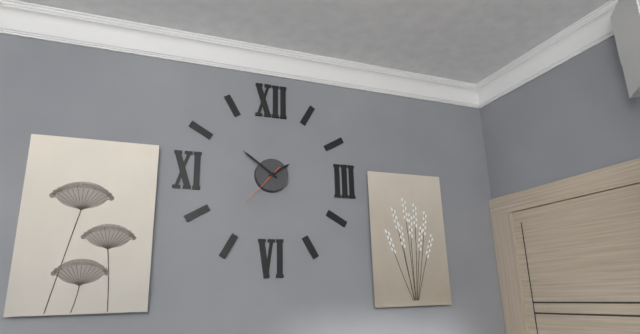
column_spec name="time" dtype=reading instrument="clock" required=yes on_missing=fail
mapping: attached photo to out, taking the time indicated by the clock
1:51
